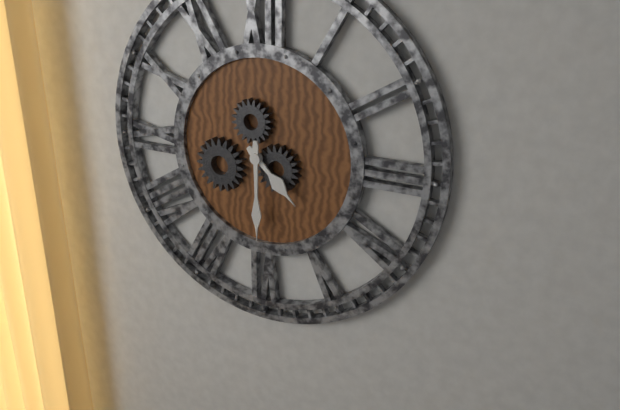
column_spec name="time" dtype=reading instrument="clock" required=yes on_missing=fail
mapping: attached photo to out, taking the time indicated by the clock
4:30
